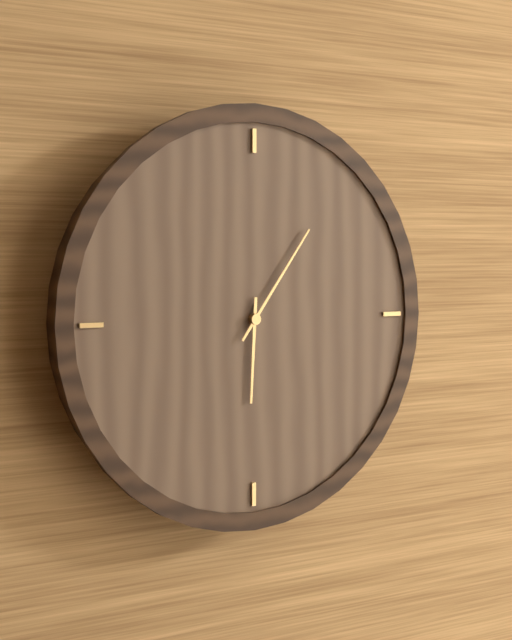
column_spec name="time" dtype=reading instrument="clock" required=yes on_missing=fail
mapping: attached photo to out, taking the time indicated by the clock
6:06
